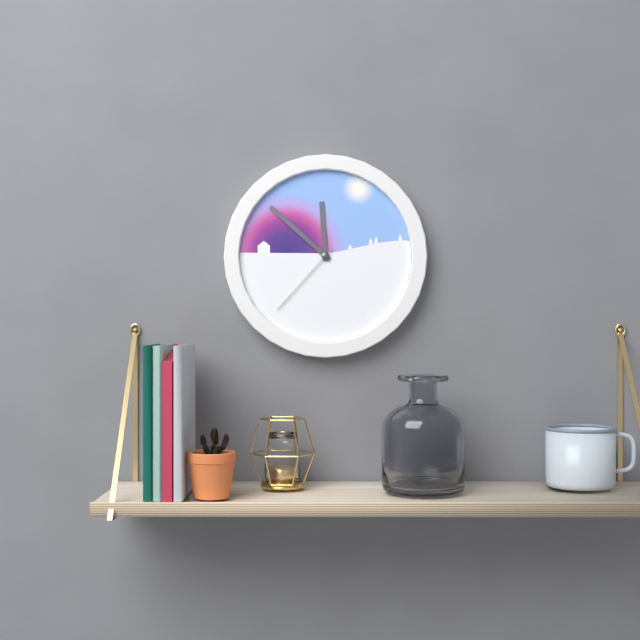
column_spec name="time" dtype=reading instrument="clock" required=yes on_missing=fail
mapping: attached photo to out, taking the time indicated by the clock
11:52:37
